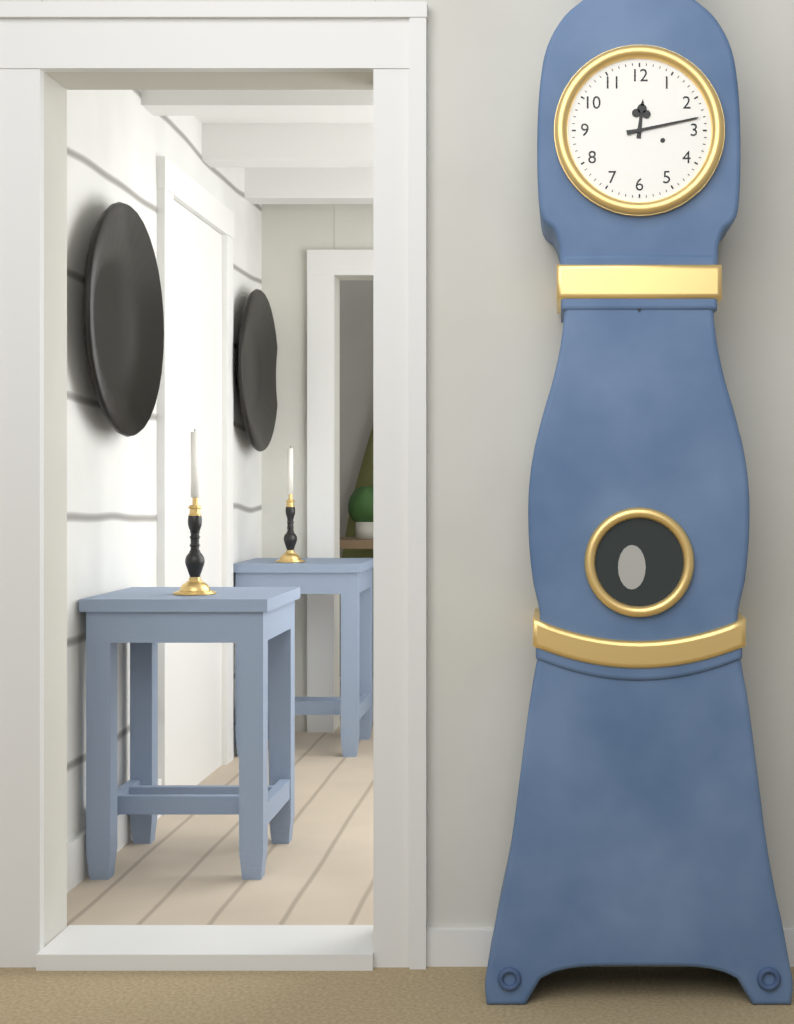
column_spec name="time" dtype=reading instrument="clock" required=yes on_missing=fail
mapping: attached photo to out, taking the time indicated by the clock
12:13
